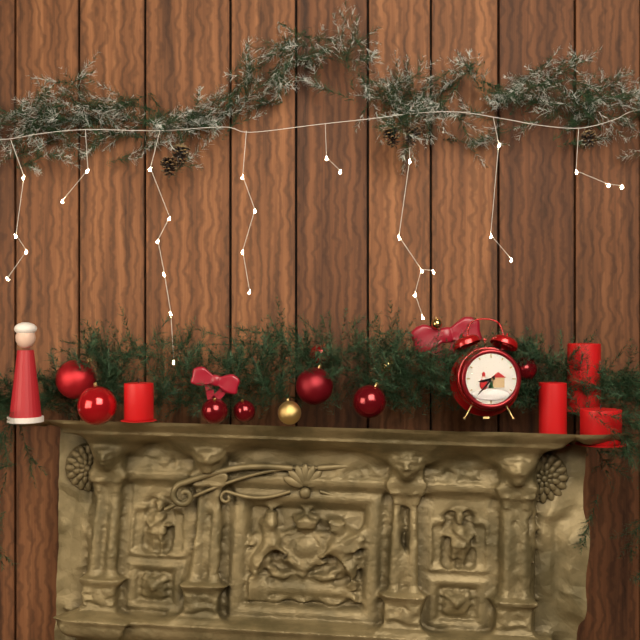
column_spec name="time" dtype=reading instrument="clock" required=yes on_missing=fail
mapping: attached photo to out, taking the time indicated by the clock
8:37
